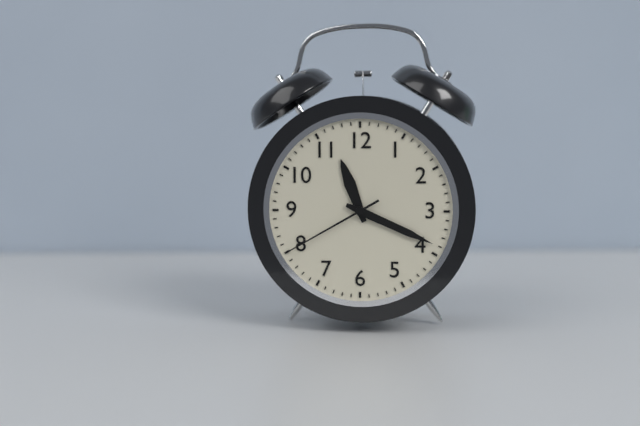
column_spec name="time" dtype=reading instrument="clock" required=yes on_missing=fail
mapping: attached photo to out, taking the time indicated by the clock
11:19:40
